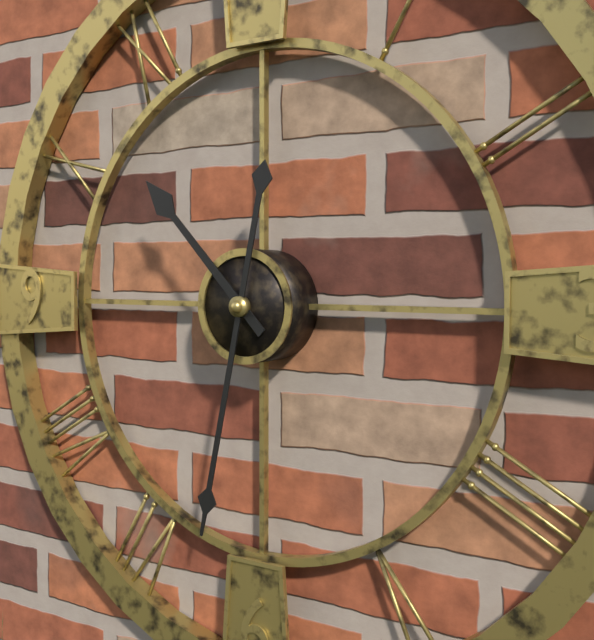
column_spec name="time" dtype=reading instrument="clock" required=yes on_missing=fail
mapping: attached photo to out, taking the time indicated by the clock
10:32
